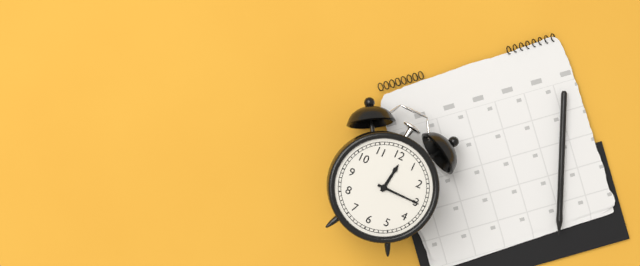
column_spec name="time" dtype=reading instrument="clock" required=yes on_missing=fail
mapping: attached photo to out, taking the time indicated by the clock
12:15
